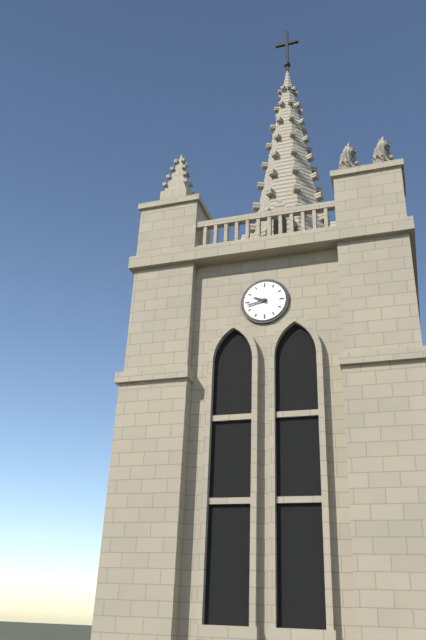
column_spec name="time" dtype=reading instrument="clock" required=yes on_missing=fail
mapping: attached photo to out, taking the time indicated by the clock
9:43
